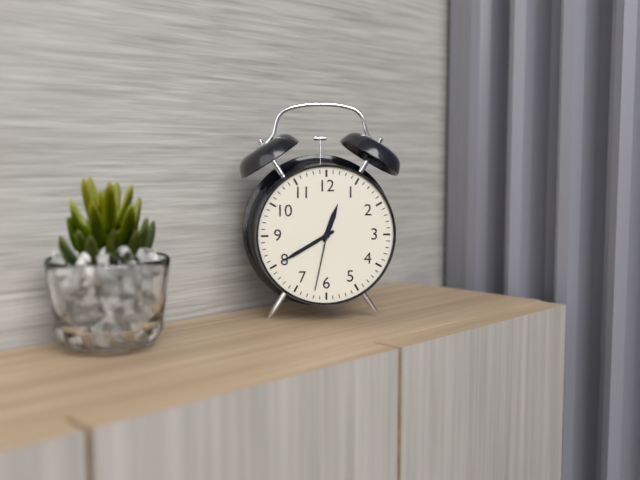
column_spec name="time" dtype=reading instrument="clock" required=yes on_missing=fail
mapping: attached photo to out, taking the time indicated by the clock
12:40:32
